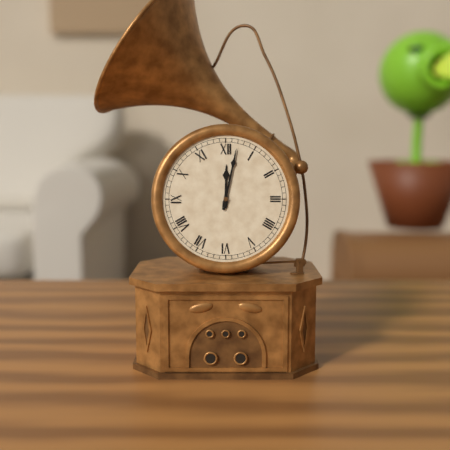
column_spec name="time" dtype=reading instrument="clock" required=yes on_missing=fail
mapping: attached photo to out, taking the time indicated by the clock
12:02
